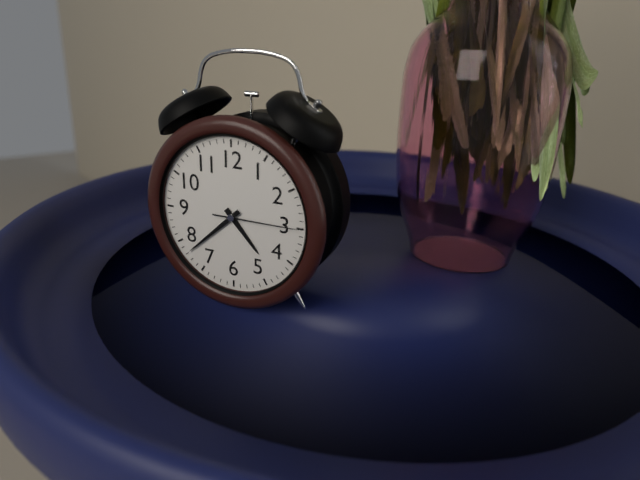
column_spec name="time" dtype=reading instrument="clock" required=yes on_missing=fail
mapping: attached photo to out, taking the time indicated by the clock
4:38:15
